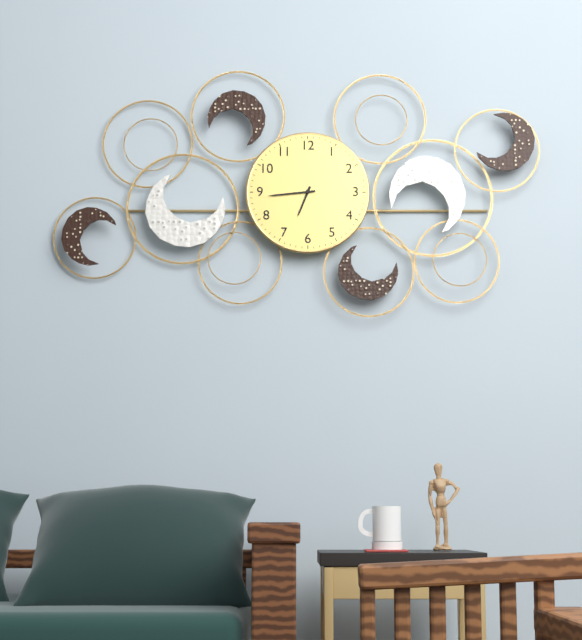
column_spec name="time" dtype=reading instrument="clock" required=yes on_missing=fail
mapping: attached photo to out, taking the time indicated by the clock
6:44
